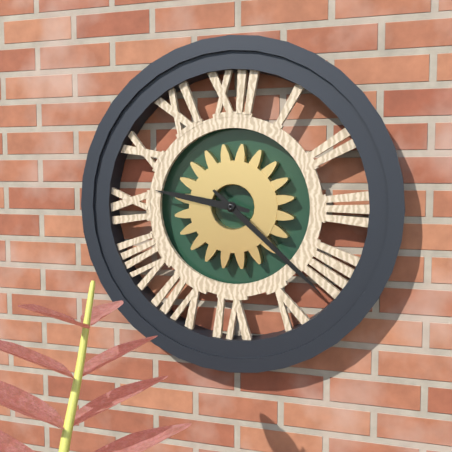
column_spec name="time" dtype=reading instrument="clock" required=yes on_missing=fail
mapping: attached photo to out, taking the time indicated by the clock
9:22
